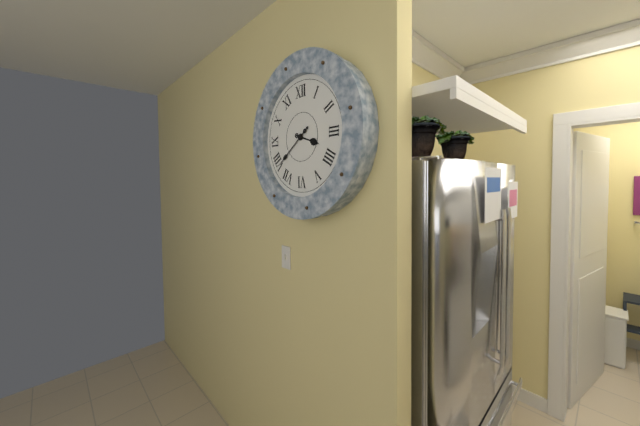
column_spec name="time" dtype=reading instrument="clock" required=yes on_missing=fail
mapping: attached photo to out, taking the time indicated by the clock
3:39
